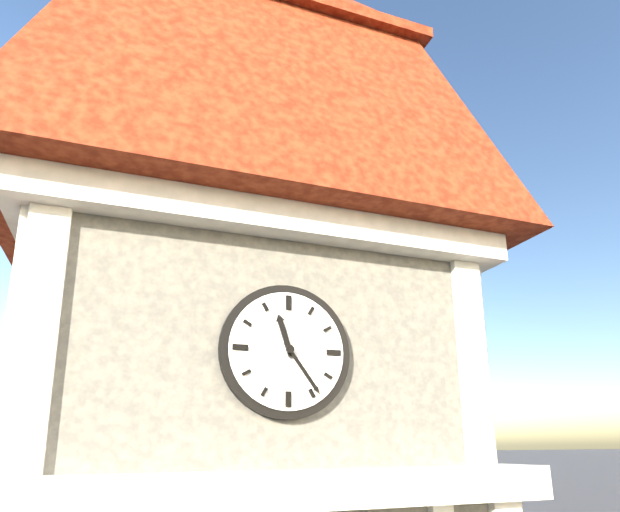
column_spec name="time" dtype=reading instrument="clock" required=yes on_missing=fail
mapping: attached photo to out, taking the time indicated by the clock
11:24
